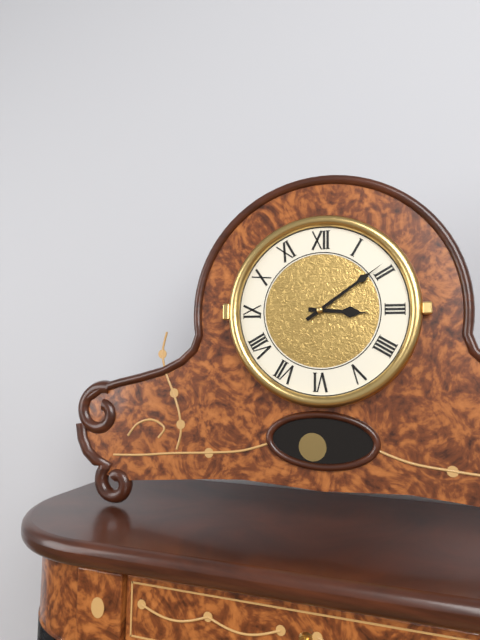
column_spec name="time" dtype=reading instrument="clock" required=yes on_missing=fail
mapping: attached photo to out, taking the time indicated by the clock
3:09
